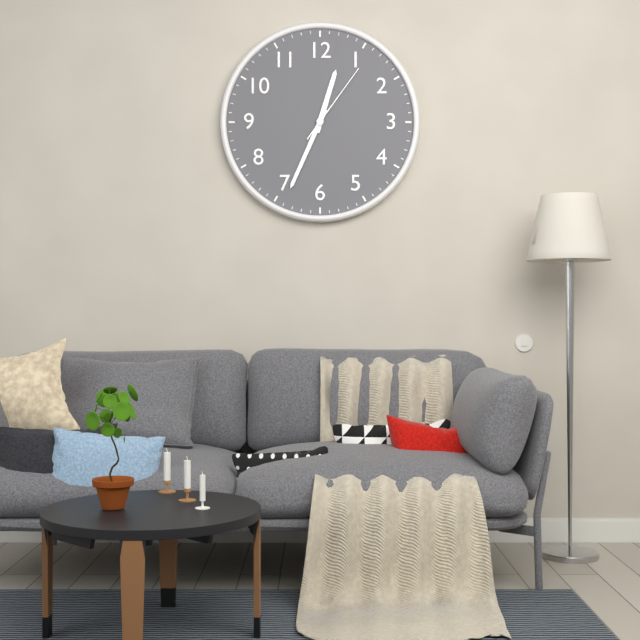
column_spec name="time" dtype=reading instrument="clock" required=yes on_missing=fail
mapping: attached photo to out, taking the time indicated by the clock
12:34:06
